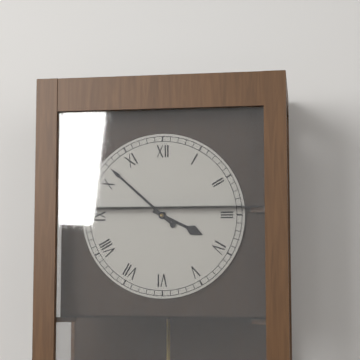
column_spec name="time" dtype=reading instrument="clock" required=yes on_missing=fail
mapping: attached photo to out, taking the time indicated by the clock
3:52
